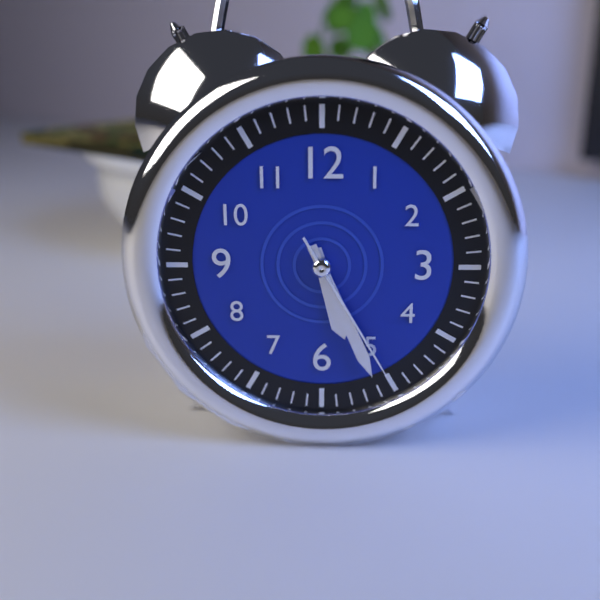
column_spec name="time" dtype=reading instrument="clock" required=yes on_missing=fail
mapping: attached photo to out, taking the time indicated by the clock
5:26:25
